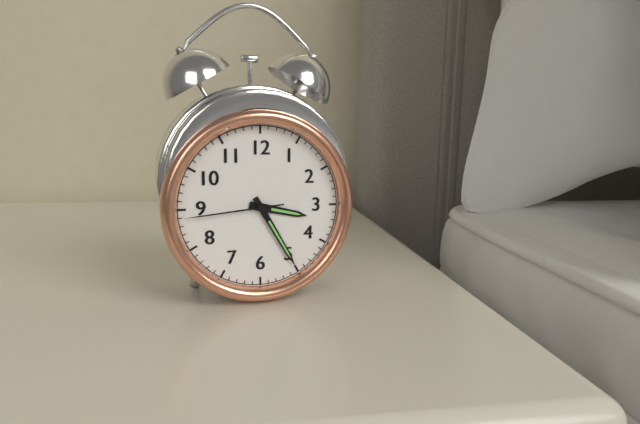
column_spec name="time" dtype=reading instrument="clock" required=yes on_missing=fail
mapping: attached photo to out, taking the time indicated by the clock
3:25:44
